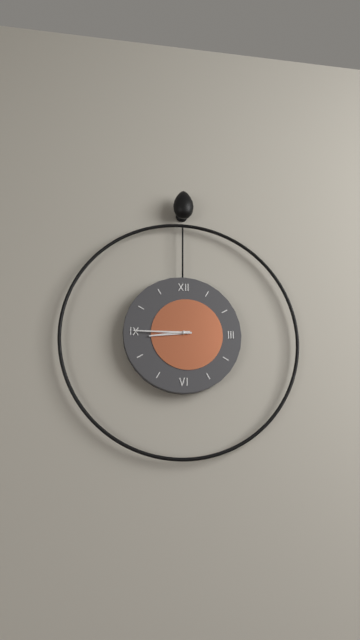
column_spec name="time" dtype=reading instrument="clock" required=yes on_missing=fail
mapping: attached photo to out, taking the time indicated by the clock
8:45
